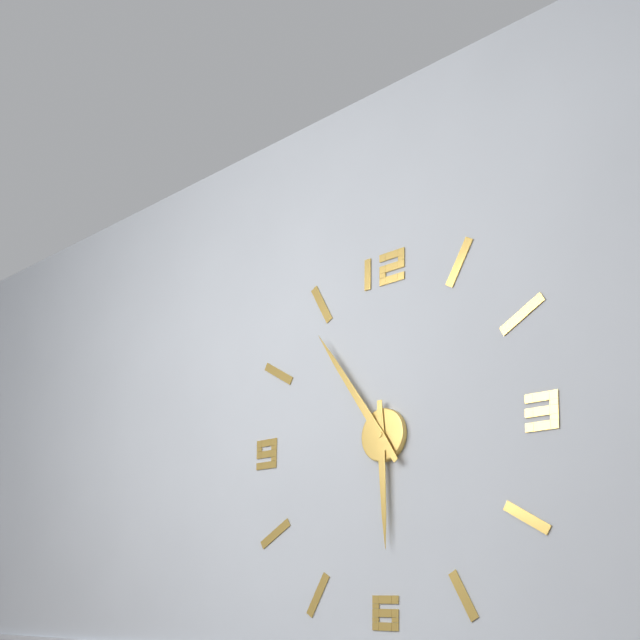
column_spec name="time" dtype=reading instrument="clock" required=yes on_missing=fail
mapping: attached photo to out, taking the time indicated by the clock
5:54
